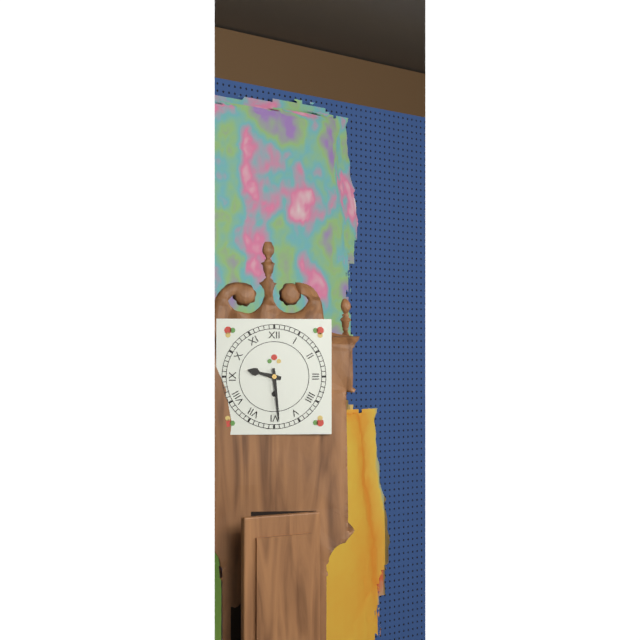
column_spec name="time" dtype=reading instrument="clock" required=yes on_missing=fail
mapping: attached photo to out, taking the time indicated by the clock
9:29
